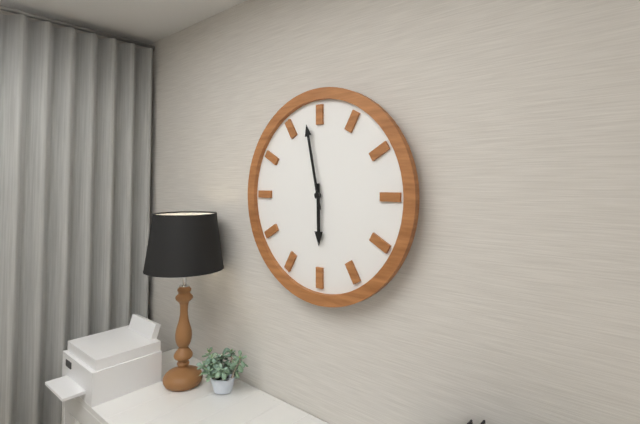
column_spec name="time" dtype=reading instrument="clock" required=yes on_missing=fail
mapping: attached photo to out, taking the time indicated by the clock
5:58
